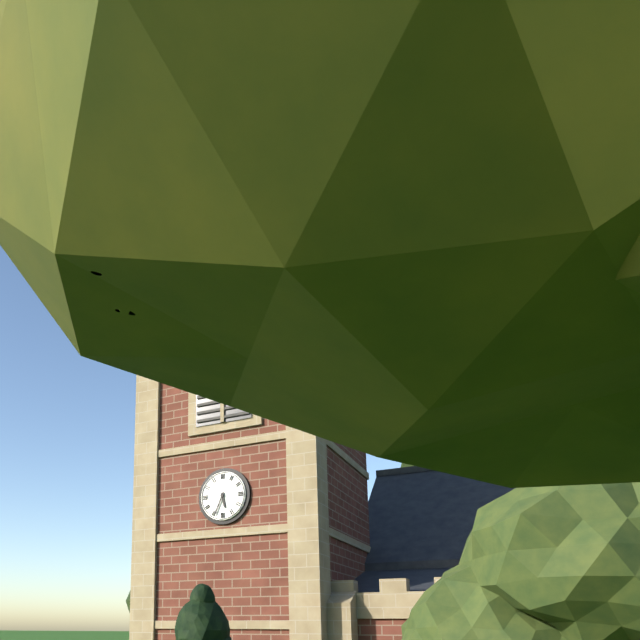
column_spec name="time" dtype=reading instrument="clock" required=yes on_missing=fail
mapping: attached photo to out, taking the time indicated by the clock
5:34
